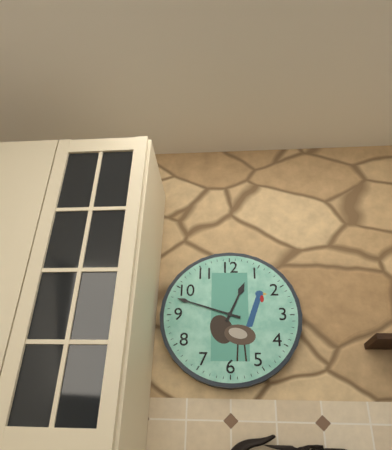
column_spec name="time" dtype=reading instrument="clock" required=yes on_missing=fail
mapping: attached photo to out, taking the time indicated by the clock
12:48
